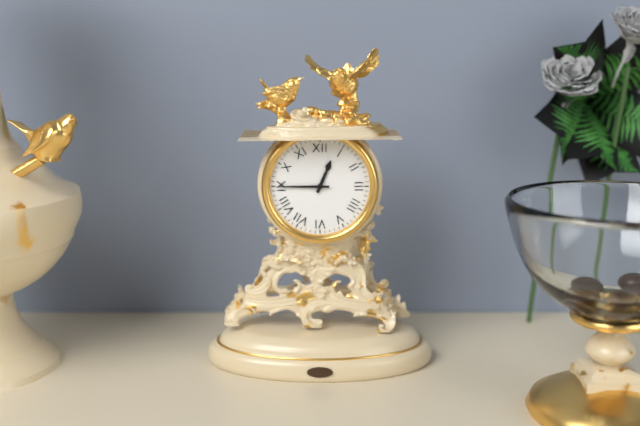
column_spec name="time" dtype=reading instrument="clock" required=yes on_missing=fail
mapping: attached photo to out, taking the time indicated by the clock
12:45
